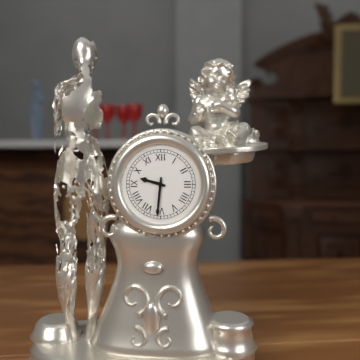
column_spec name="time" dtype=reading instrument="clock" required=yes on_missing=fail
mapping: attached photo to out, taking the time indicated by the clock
9:31
